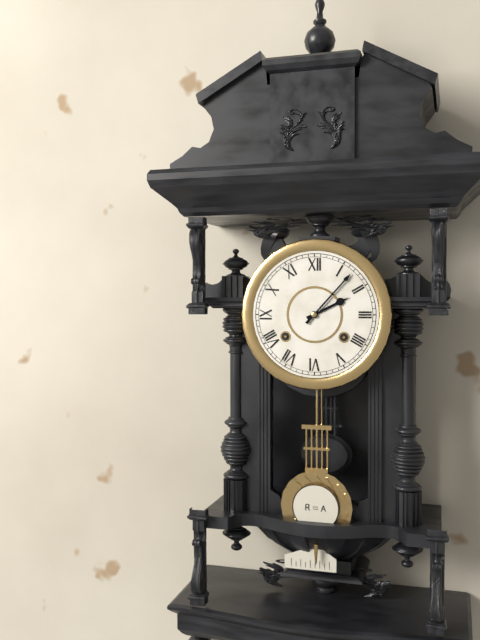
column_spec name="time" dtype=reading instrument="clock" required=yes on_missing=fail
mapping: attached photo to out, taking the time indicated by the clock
2:07
